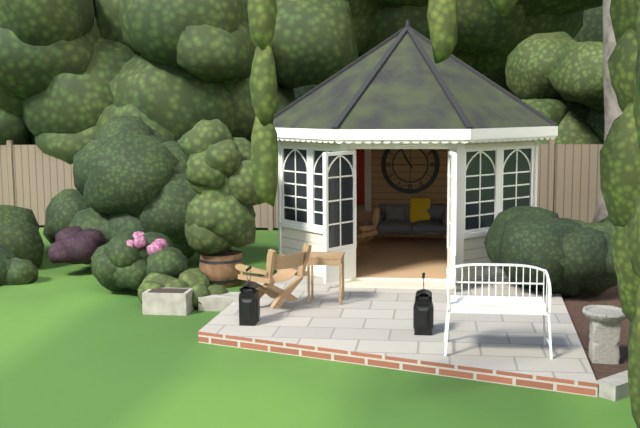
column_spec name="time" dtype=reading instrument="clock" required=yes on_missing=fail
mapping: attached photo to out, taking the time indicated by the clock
10:55
